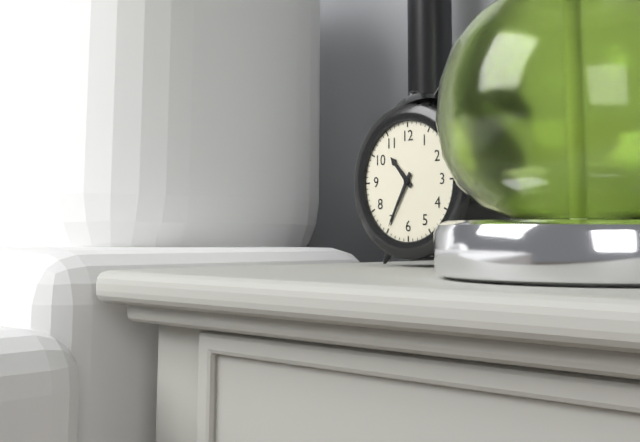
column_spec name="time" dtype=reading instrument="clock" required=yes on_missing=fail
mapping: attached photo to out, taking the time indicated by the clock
10:35
